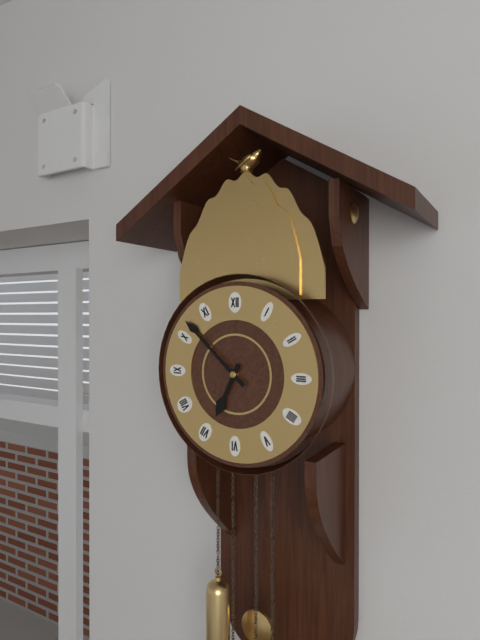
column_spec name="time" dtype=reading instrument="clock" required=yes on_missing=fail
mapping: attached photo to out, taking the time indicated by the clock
6:52
